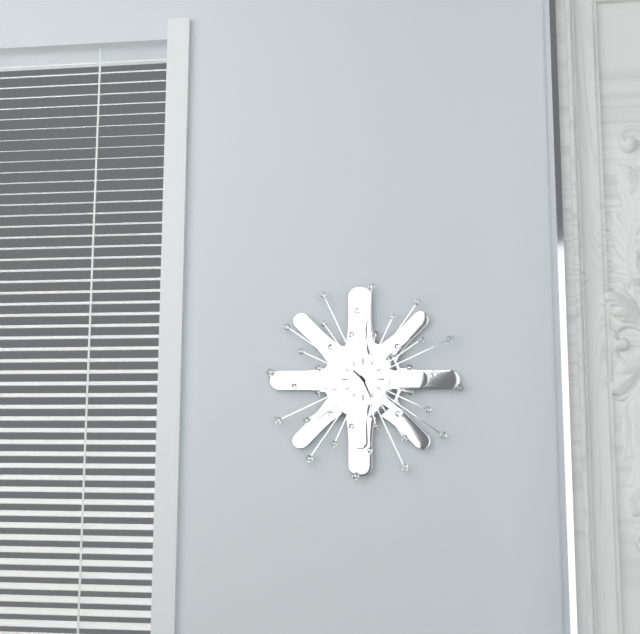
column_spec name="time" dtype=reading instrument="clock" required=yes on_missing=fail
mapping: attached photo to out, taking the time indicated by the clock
10:26
